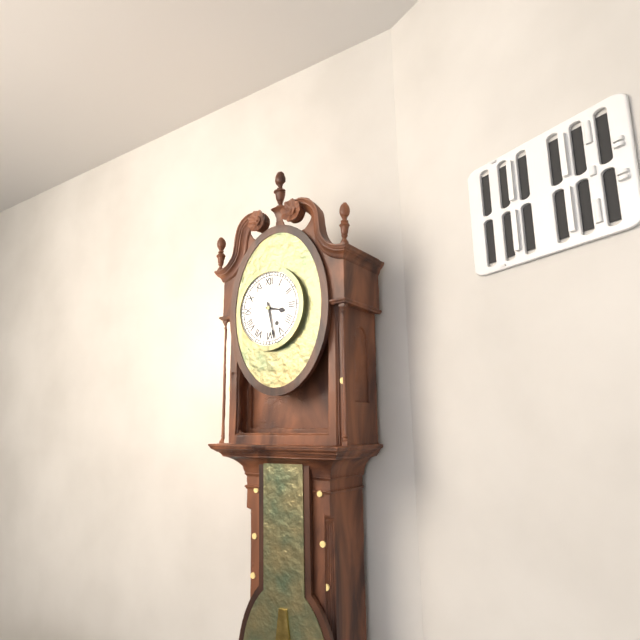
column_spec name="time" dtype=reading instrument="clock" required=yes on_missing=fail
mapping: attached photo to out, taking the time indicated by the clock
3:28
